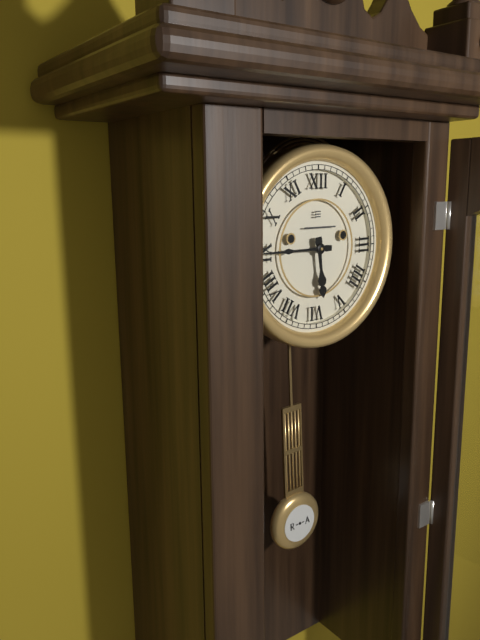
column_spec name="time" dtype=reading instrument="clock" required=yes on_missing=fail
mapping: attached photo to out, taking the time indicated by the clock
5:45
